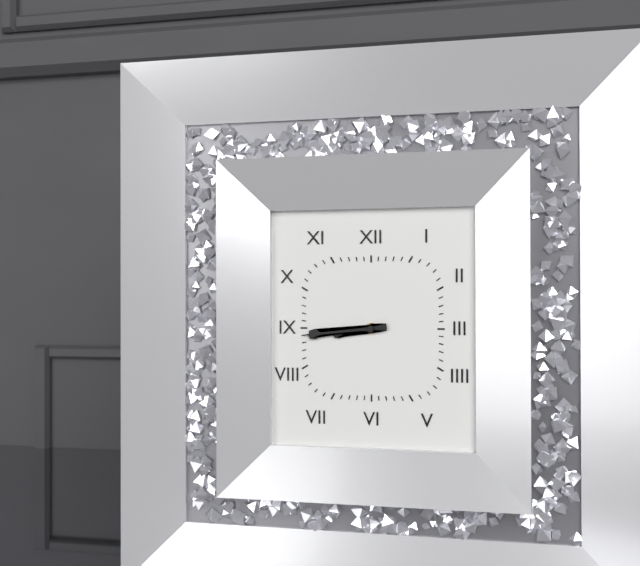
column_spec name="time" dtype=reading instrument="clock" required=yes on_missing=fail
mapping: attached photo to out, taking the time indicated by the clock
8:44
